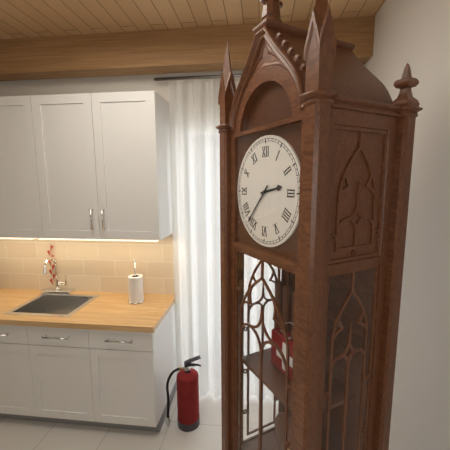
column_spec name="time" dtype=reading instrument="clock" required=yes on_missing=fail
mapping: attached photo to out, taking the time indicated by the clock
2:37
